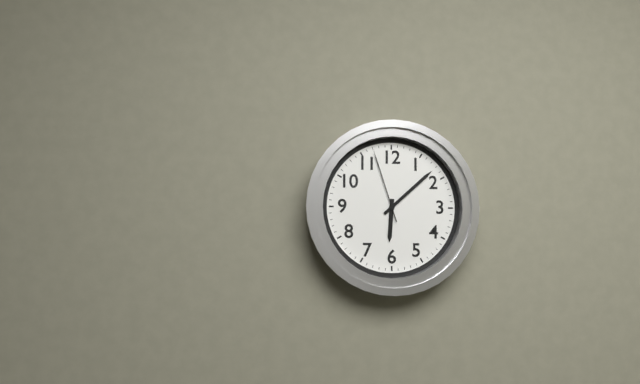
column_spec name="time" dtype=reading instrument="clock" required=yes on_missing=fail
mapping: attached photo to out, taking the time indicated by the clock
6:08:57
